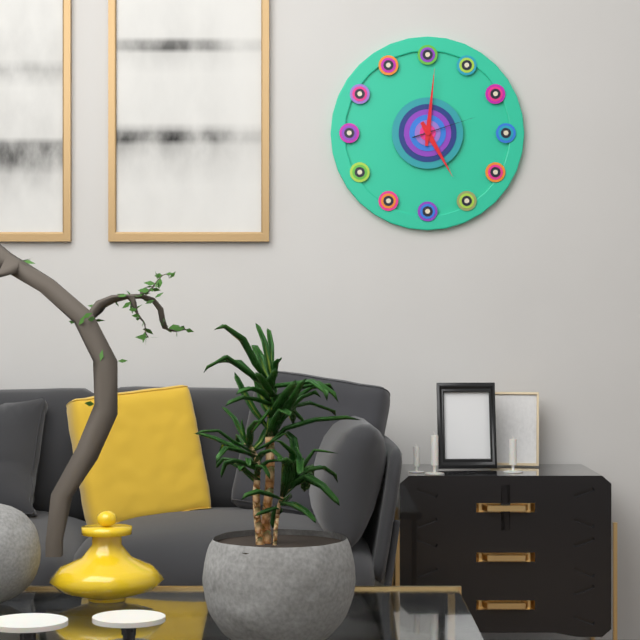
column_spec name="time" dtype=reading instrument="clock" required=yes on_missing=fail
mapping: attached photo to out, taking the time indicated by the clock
5:01:12
